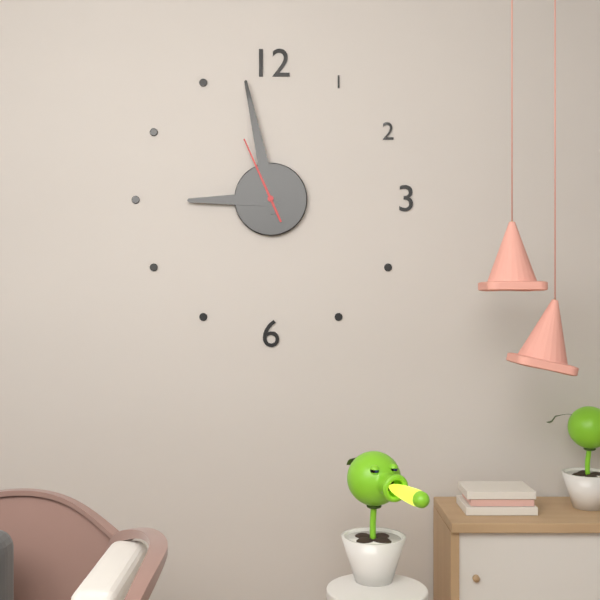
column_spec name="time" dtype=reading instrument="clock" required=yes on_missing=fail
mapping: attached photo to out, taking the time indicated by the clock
8:58:56
